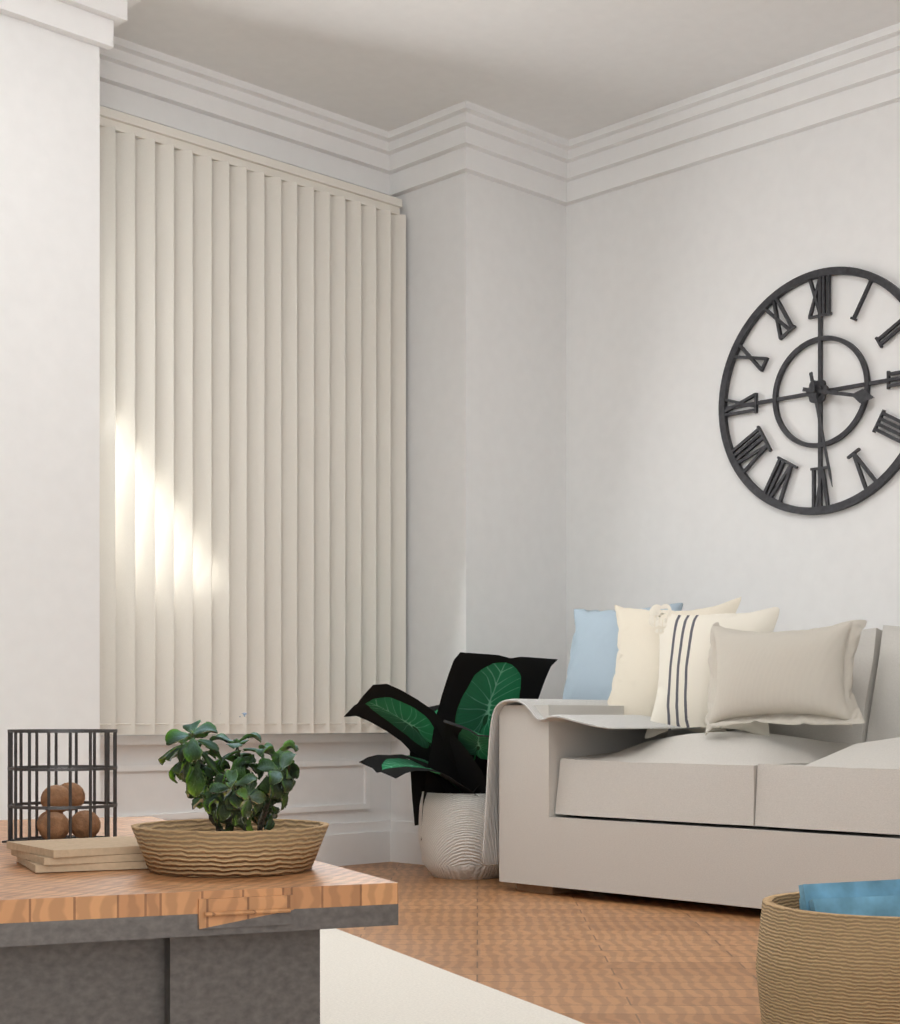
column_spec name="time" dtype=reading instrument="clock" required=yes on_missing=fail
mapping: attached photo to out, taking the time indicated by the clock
3:28
